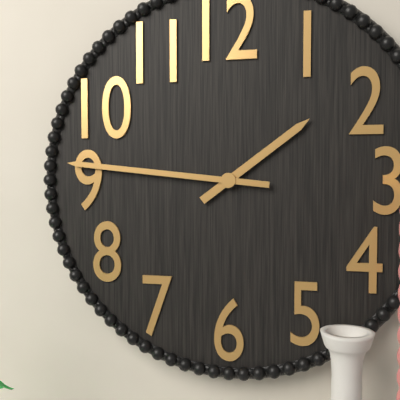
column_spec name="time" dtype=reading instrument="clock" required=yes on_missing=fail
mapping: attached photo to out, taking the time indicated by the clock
1:46
